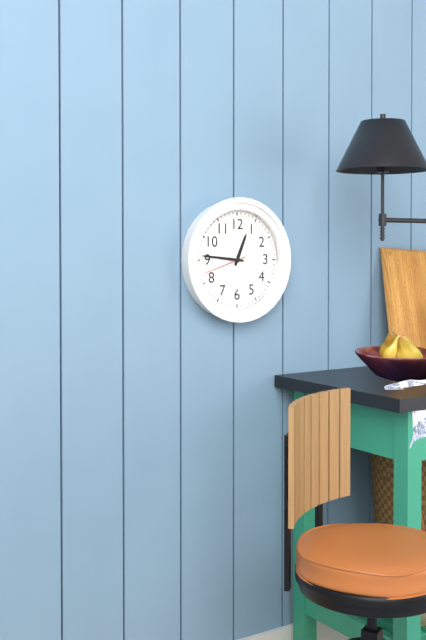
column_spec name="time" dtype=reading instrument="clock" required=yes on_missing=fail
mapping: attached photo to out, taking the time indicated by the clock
12:46
